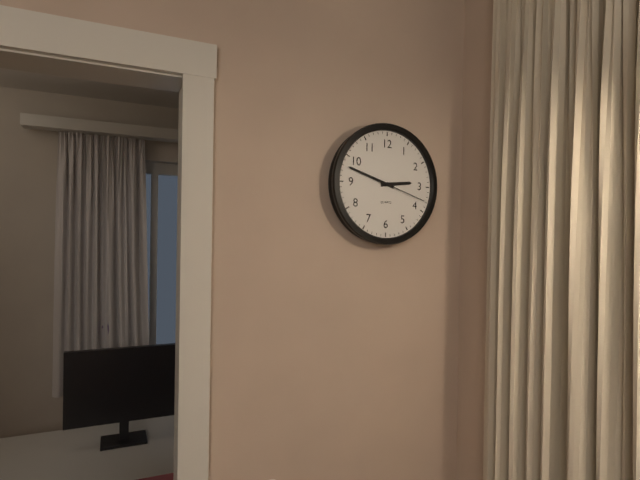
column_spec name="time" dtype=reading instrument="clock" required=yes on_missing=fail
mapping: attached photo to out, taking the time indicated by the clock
2:48:18
